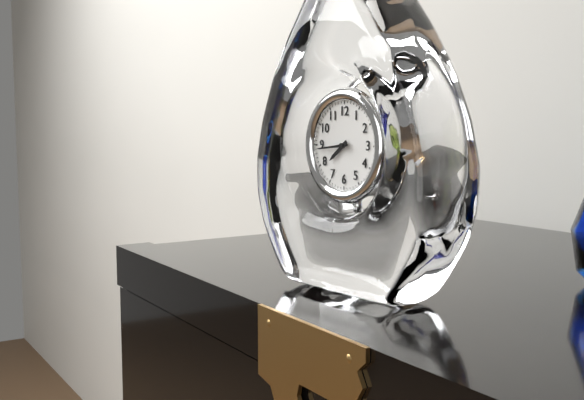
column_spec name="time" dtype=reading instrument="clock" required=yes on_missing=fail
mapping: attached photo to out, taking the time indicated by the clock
7:44
